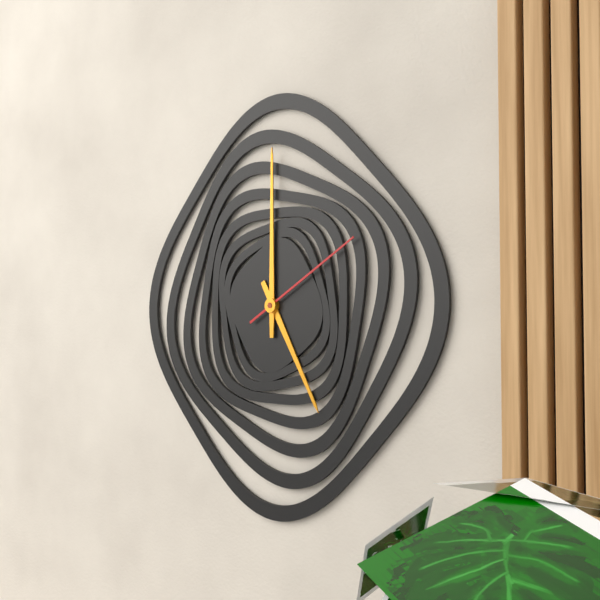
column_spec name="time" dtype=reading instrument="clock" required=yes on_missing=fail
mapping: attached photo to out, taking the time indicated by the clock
5:00:10
